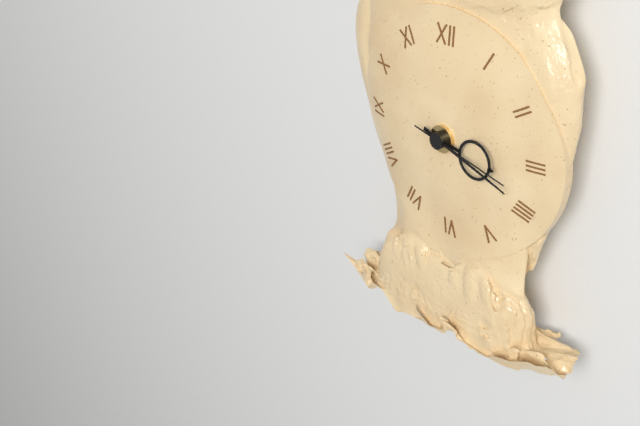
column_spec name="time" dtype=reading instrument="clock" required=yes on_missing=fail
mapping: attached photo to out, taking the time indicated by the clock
3:18:17
